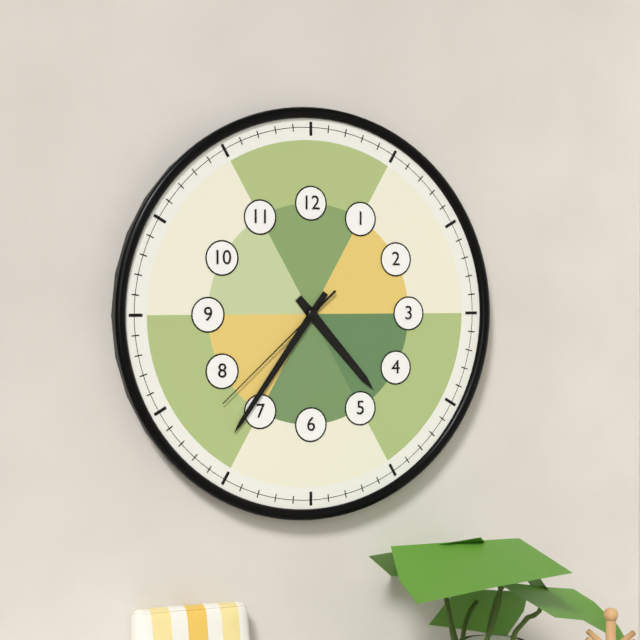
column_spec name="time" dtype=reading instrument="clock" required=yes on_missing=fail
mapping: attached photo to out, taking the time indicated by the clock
4:36:38
